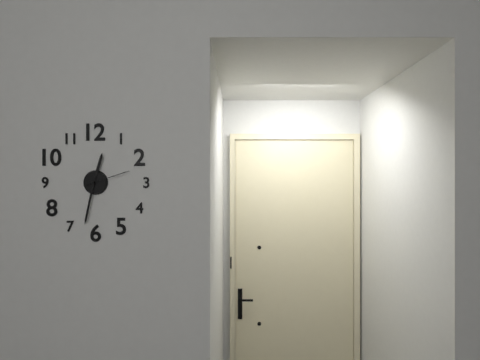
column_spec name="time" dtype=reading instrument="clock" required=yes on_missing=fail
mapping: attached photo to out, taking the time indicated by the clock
12:32
